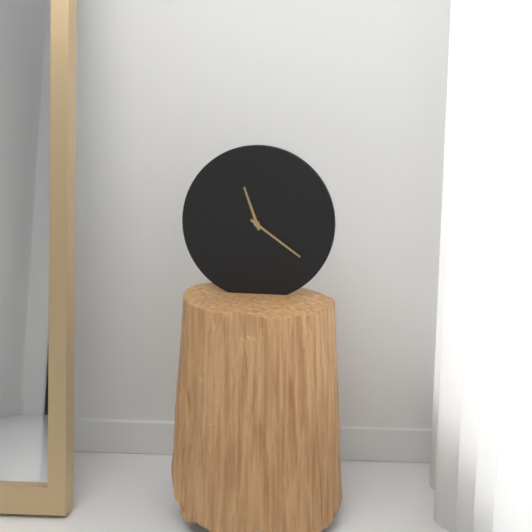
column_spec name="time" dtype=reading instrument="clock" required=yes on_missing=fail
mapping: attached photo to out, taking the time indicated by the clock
11:21
